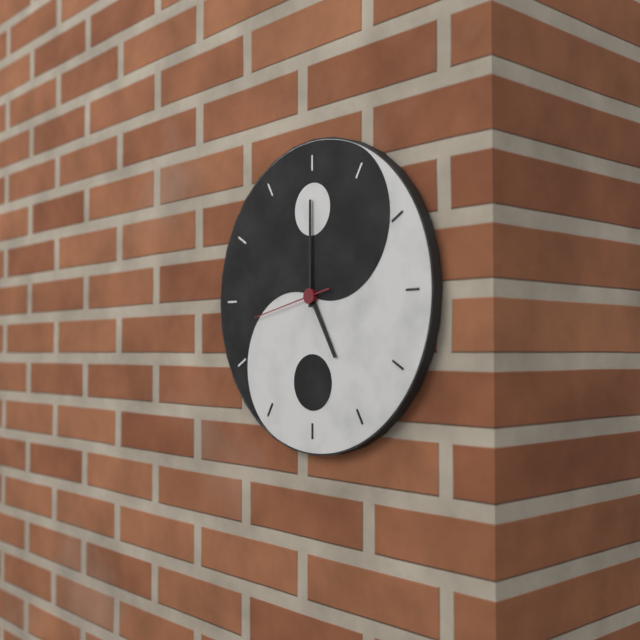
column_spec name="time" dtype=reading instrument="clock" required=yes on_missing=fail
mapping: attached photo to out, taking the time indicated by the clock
5:00:43
